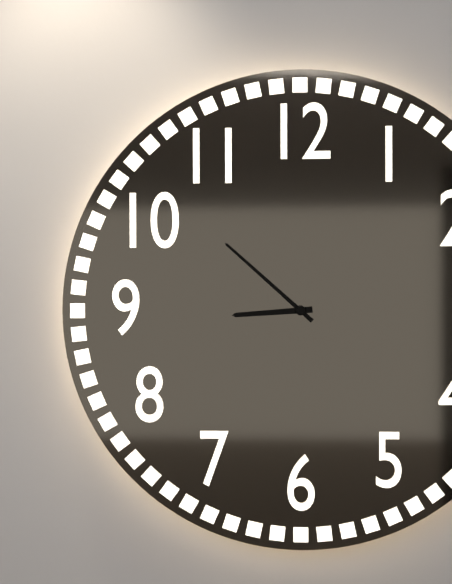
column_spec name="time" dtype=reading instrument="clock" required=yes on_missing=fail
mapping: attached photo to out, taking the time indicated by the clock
8:52
